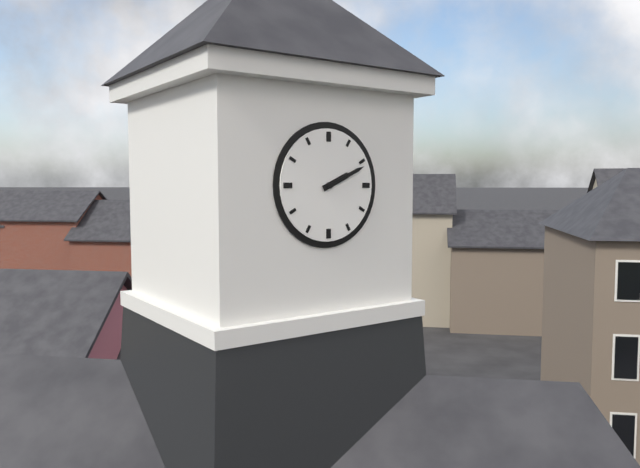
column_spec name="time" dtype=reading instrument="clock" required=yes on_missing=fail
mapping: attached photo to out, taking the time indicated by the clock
2:11
